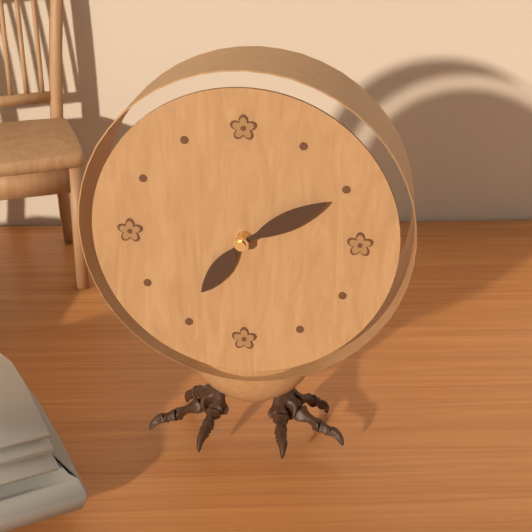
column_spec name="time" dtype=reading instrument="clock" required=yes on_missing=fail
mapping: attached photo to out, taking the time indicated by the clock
7:10
